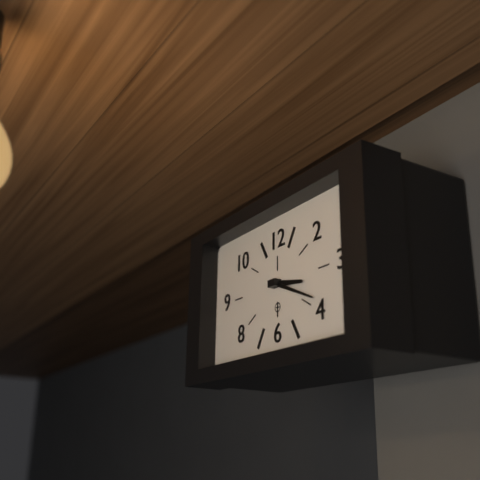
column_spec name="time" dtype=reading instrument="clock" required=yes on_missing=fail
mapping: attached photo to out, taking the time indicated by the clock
3:19
